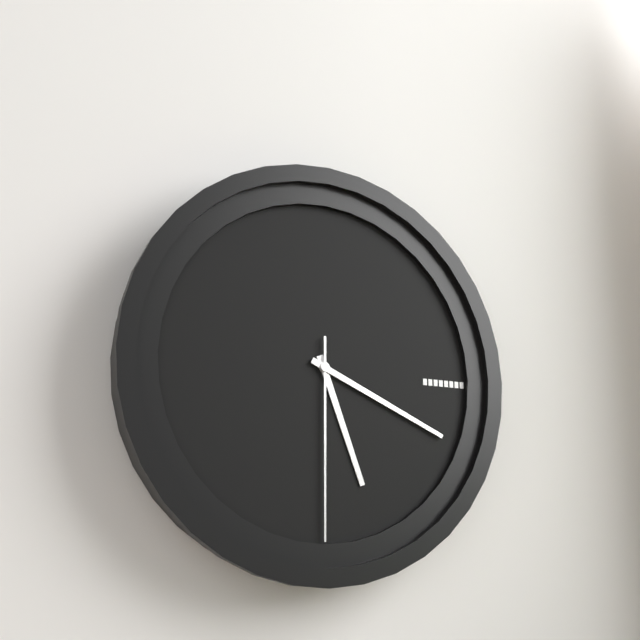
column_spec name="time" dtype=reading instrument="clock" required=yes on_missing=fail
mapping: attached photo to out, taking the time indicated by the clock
5:19:30
